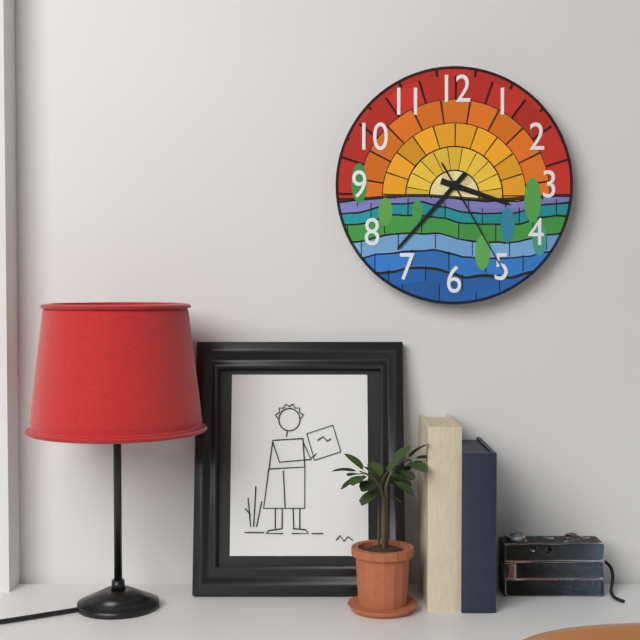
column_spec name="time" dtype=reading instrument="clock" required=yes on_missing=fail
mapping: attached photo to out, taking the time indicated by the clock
3:37:25
